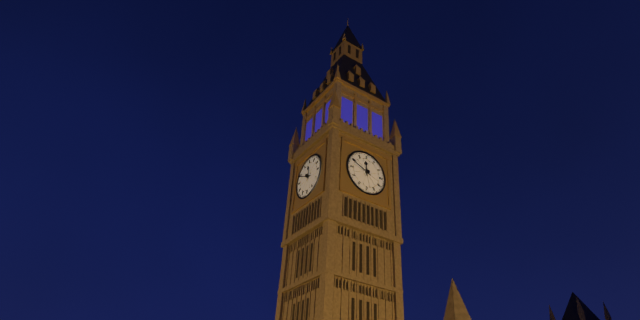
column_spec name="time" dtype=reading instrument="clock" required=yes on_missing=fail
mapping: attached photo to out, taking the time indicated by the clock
11:49
